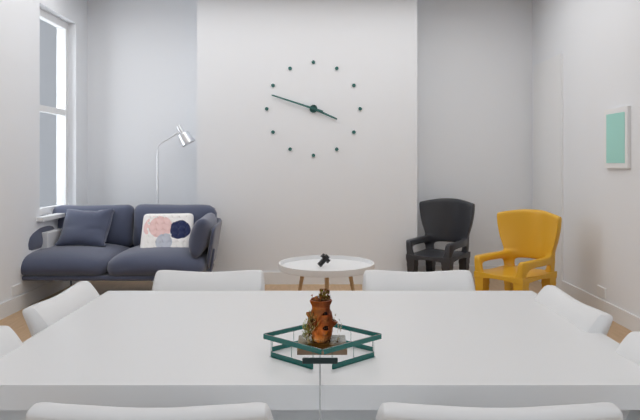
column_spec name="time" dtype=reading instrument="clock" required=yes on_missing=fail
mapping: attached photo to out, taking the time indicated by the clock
3:48
